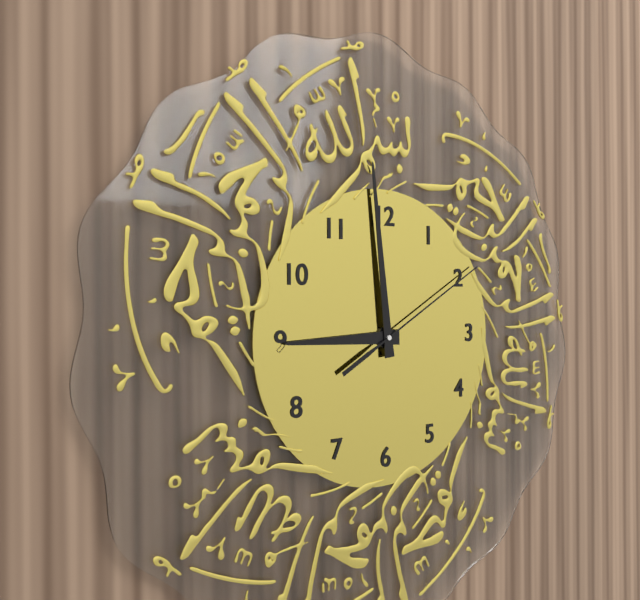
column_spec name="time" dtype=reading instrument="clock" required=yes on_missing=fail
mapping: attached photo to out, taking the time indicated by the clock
8:59:10
